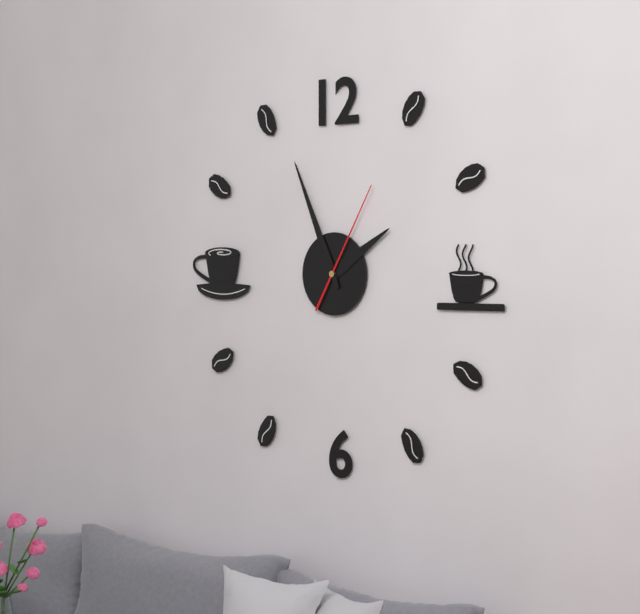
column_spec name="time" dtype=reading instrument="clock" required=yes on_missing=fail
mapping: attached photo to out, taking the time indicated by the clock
1:56:05
